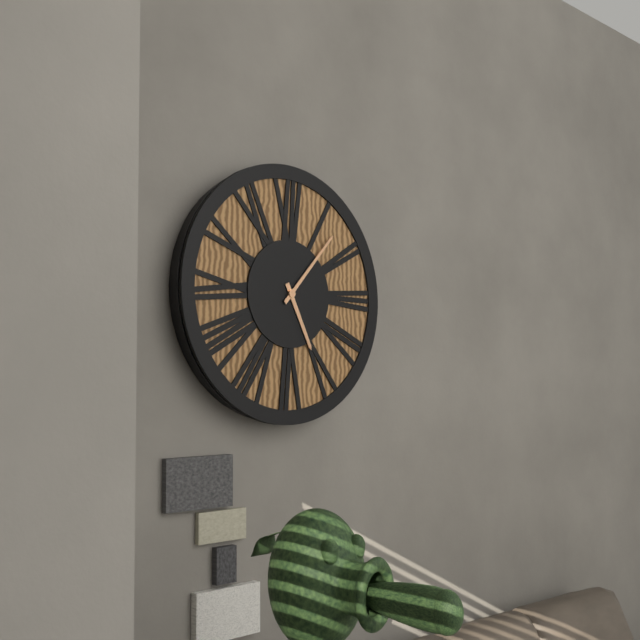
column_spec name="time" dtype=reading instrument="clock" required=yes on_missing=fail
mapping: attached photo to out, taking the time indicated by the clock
5:07
